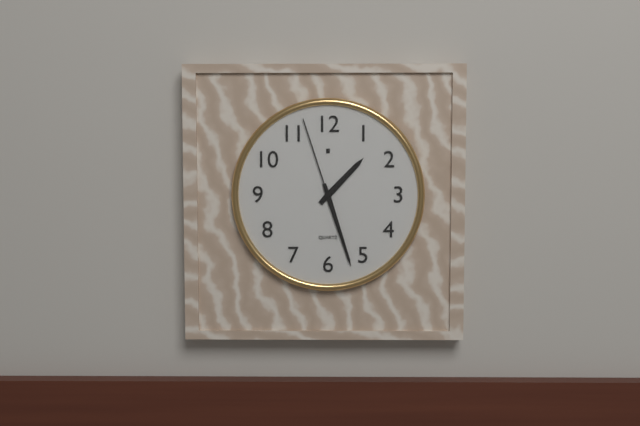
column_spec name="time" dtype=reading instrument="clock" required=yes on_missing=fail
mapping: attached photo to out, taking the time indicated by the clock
1:27:57
